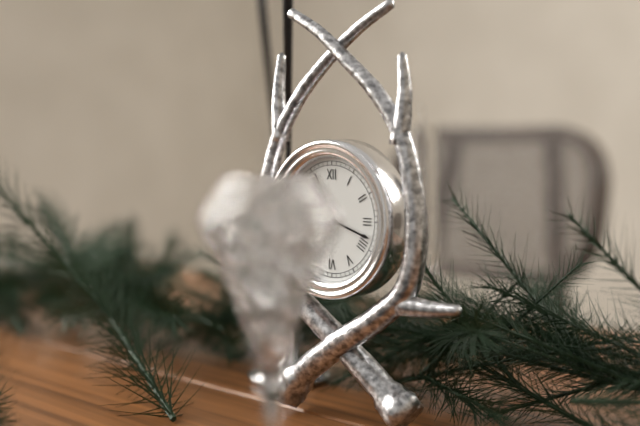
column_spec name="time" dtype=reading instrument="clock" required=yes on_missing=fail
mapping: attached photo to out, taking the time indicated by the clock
9:18
